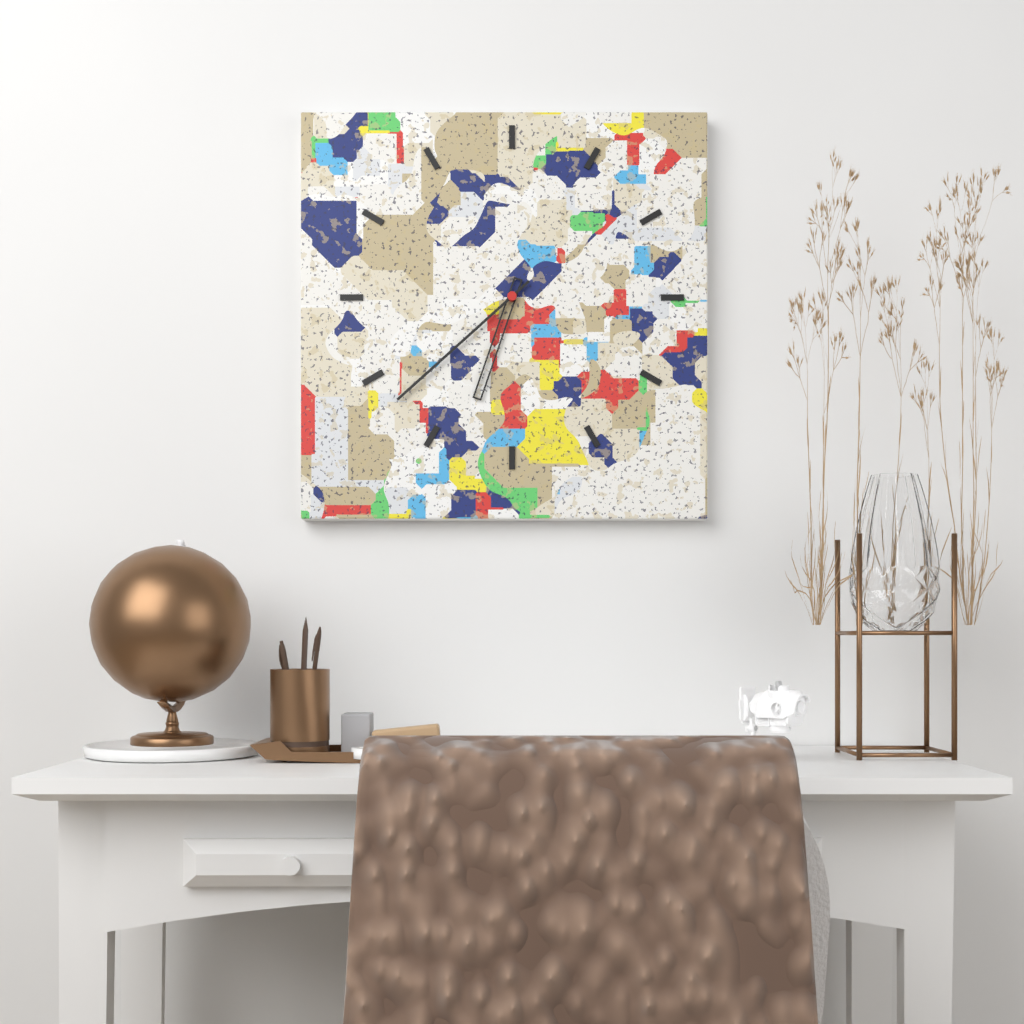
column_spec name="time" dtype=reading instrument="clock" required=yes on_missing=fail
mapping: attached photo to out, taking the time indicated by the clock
6:38
